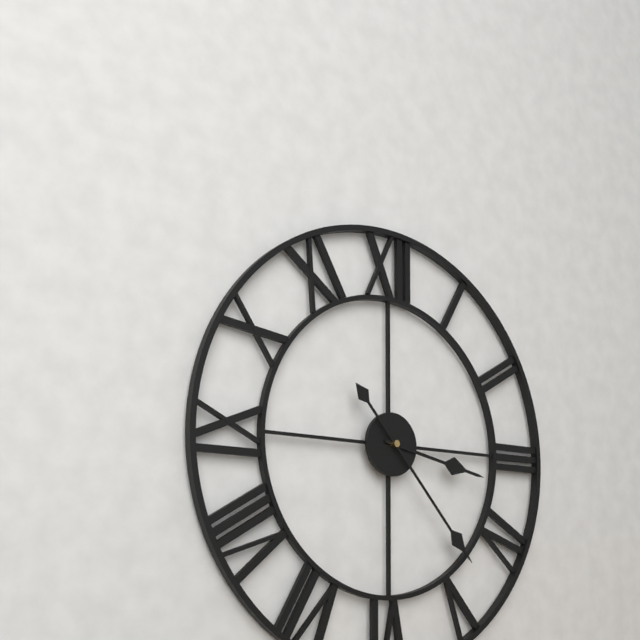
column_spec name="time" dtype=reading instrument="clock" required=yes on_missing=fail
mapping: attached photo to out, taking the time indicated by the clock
3:23
